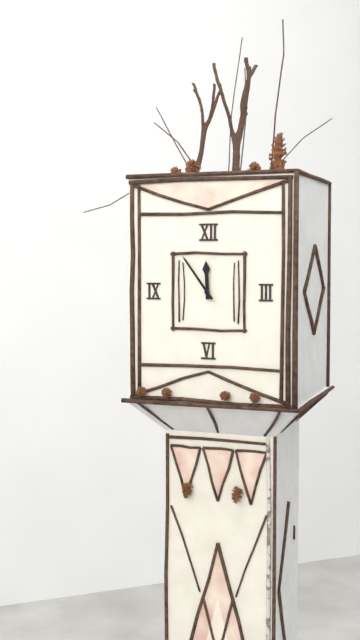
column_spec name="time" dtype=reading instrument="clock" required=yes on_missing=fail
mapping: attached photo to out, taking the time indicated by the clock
11:54
